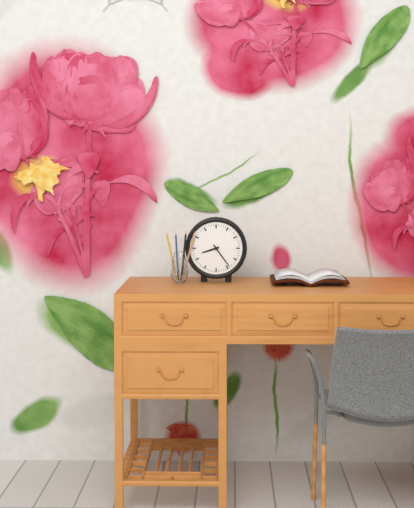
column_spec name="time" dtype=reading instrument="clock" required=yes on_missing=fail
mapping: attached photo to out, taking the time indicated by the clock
8:24
